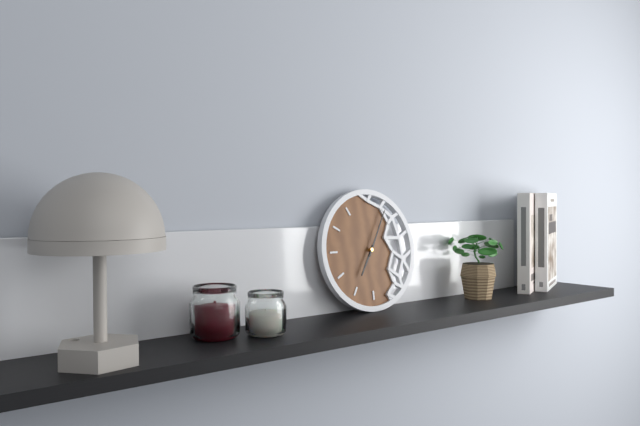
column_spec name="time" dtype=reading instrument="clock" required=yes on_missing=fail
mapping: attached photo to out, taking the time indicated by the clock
7:05
